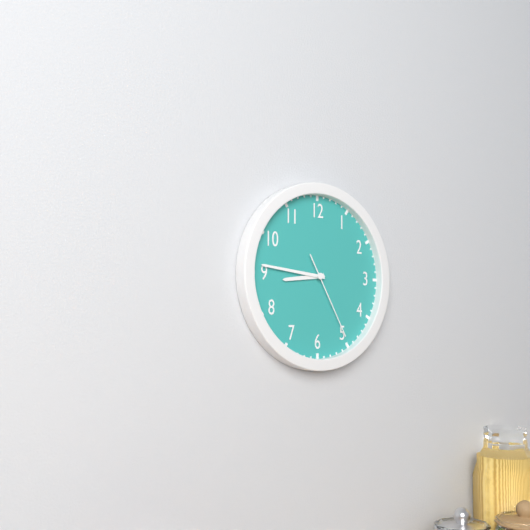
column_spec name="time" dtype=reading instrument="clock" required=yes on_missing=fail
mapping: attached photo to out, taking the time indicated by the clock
8:46:25
